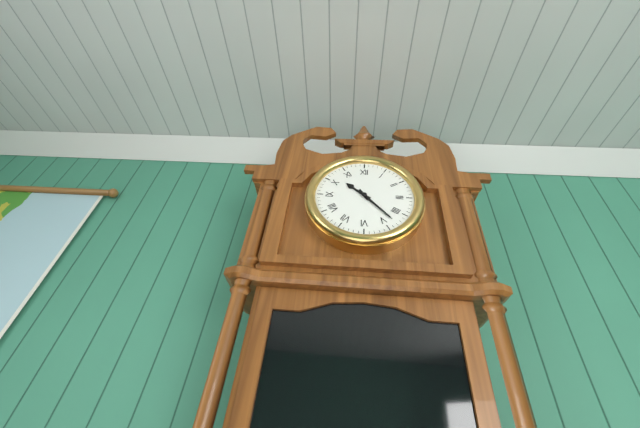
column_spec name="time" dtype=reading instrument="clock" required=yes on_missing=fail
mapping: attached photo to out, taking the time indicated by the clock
10:23
